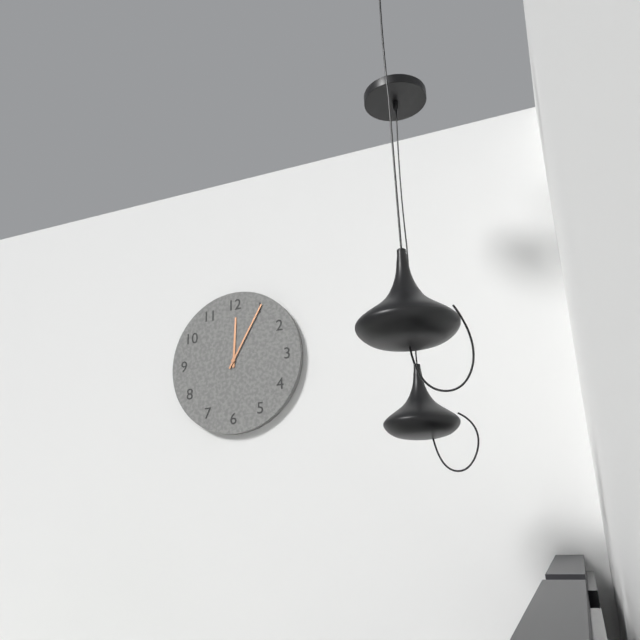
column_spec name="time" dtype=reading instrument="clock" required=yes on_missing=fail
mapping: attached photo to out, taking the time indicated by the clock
12:05
